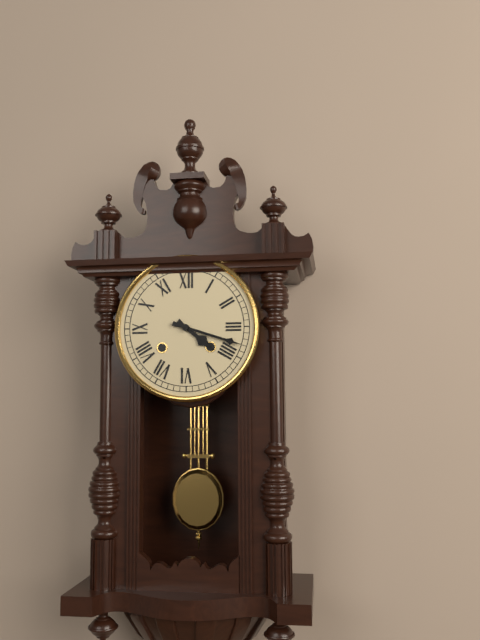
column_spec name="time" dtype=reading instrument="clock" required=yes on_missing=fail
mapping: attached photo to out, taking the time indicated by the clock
4:18
